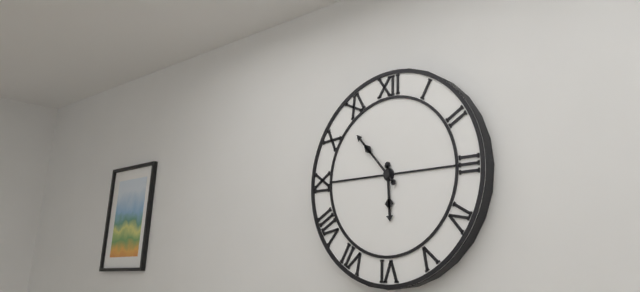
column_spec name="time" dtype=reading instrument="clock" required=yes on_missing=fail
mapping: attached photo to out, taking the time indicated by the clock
5:53
